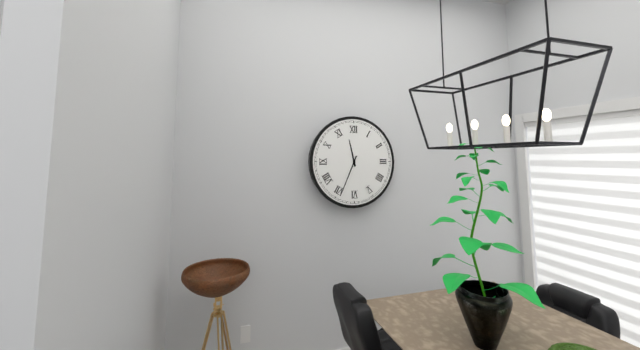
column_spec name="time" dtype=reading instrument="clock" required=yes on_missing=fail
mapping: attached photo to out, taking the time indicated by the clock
11:34
